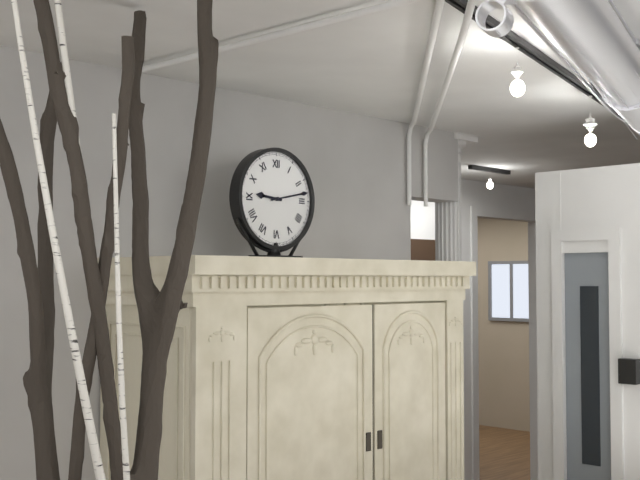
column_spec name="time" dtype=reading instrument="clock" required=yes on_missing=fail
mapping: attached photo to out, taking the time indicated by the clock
9:13
